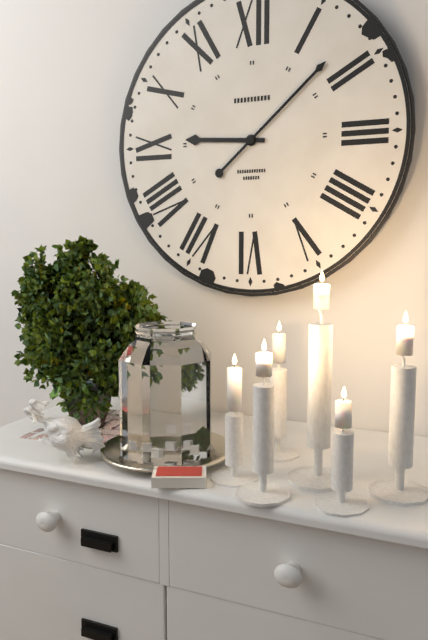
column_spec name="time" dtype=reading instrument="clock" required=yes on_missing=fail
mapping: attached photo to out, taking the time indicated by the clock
9:08
